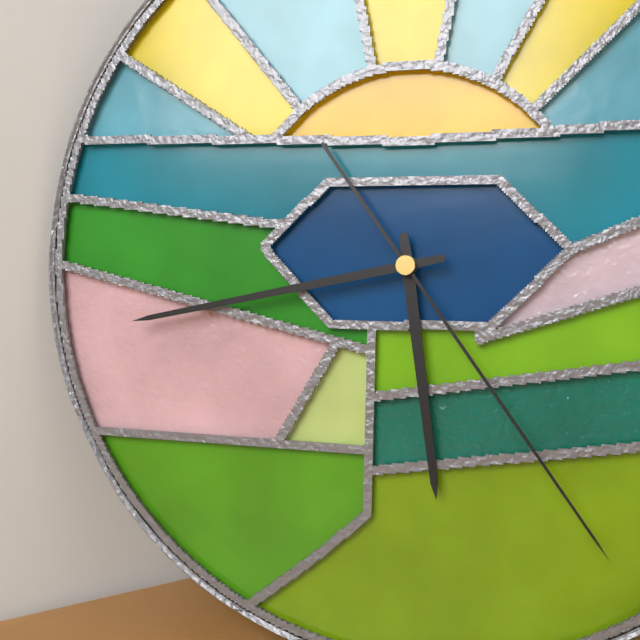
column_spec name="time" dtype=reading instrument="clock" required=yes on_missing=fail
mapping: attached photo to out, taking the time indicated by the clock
5:43:24
